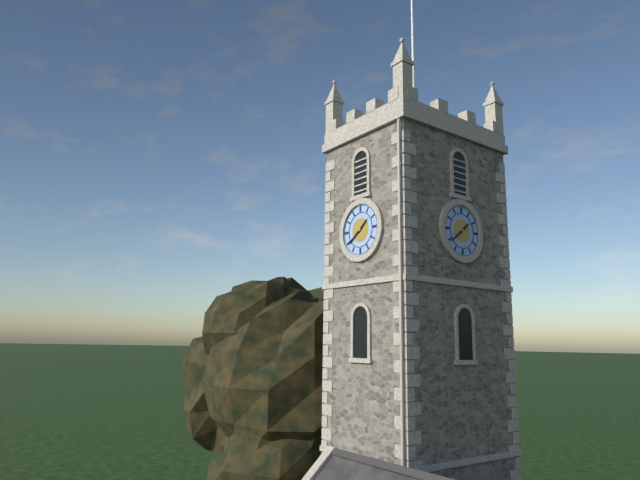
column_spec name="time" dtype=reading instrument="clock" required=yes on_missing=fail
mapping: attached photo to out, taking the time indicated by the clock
1:39
